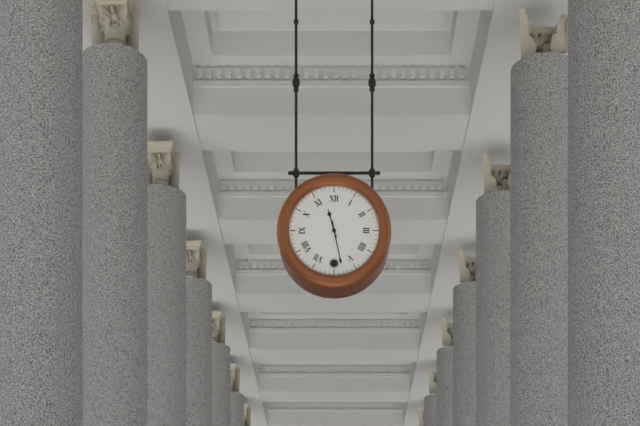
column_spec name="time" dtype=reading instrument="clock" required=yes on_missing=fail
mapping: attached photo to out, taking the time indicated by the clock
11:28
